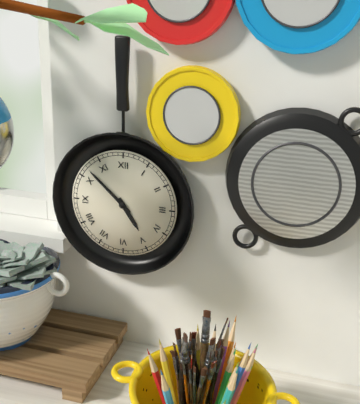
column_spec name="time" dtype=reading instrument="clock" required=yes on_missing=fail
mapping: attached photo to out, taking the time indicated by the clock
4:52
